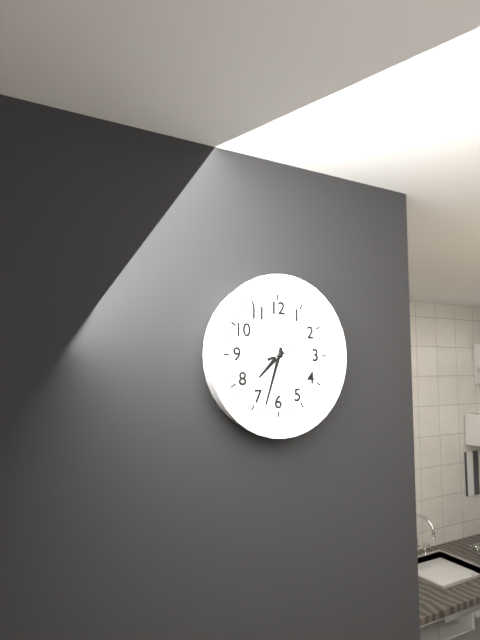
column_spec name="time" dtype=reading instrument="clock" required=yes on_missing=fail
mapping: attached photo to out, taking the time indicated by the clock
7:33:12
